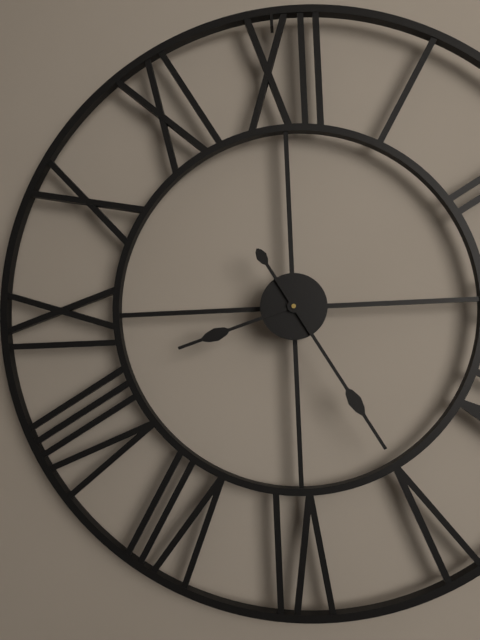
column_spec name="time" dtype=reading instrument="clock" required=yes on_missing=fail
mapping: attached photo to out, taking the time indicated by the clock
8:25
